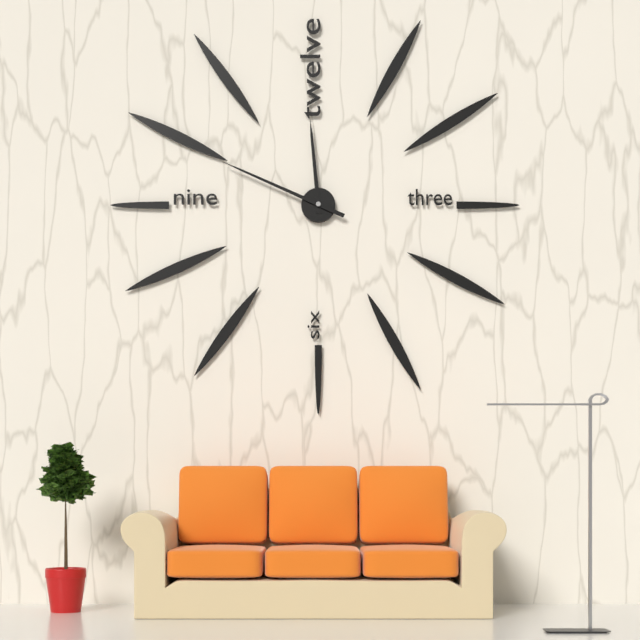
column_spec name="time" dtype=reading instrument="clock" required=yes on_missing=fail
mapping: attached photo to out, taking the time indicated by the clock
11:49
